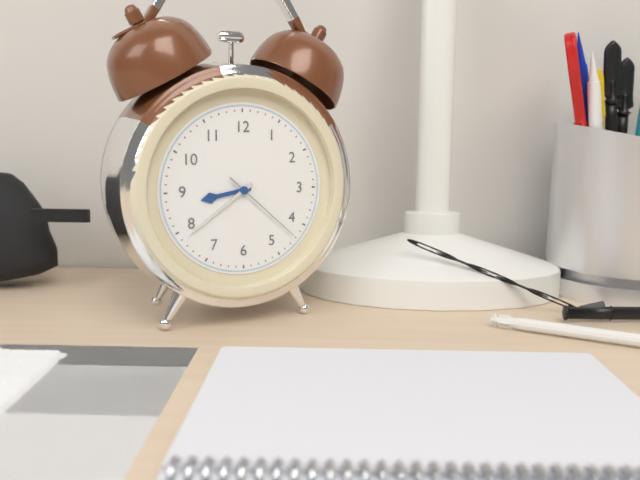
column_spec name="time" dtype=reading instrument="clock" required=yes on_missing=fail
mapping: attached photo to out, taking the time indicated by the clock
8:39:22
